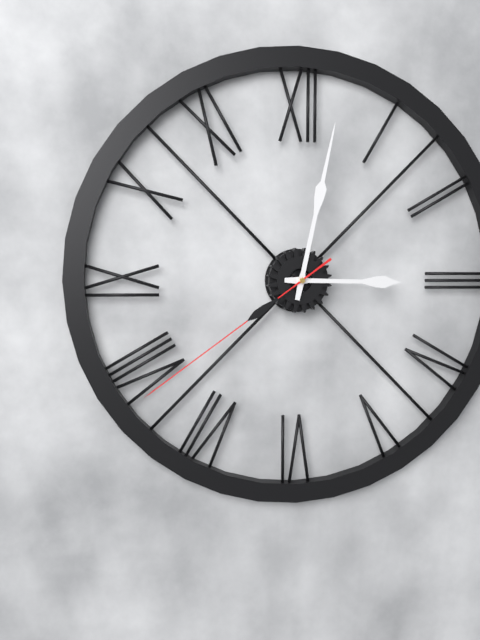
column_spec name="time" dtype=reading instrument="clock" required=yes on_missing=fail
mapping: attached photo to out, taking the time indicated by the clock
3:02:39
